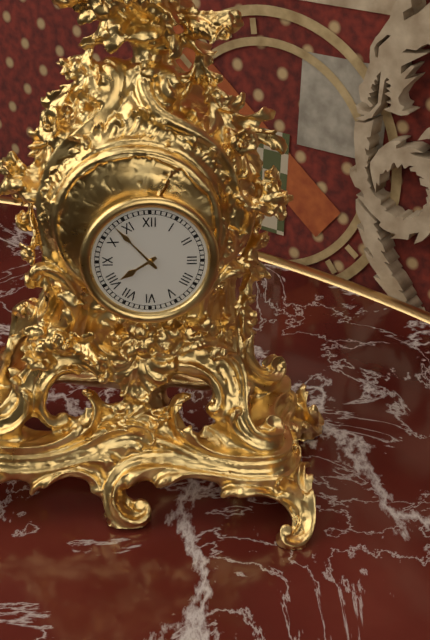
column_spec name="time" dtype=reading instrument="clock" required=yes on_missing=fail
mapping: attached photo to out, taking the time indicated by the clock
7:53
